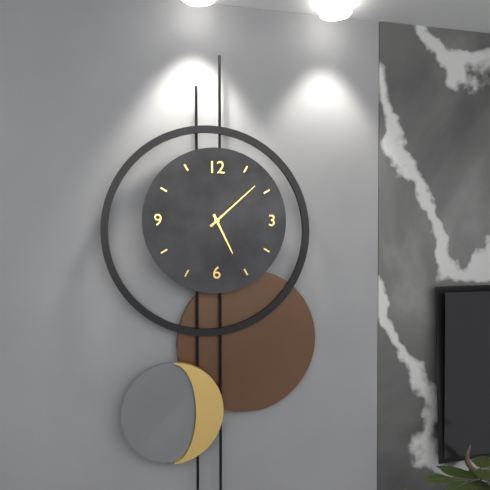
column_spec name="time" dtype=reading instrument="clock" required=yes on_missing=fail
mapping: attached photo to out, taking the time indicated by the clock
5:08
